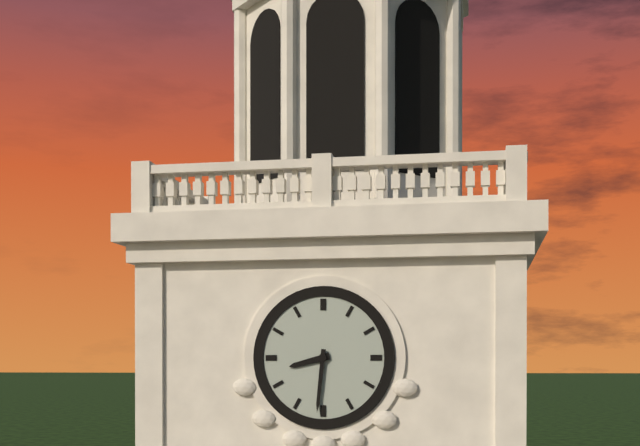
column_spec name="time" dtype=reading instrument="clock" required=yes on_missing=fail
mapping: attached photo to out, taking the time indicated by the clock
8:31
